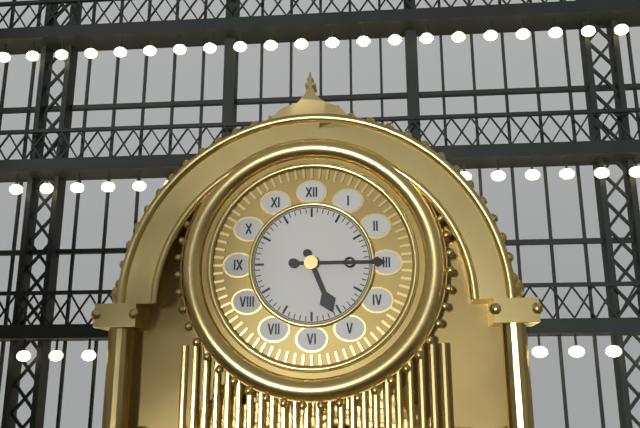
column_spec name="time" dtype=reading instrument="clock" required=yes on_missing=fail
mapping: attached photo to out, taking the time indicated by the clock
5:15
